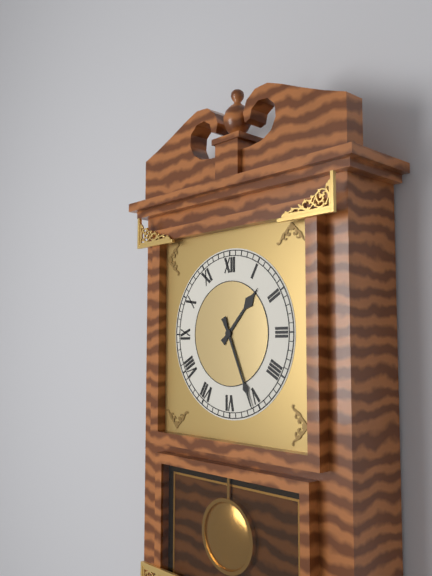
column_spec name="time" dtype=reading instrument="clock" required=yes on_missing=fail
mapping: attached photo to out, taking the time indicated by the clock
1:26
